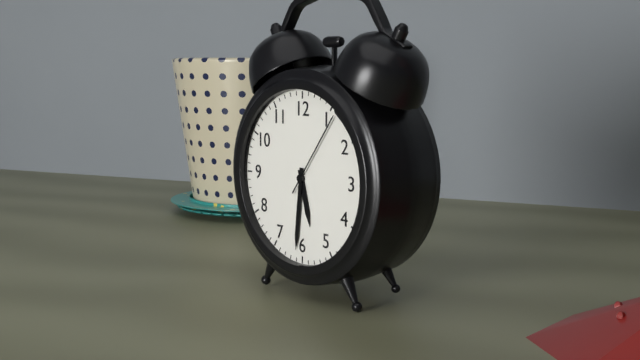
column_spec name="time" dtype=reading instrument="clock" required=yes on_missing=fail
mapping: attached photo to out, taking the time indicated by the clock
5:31:06
